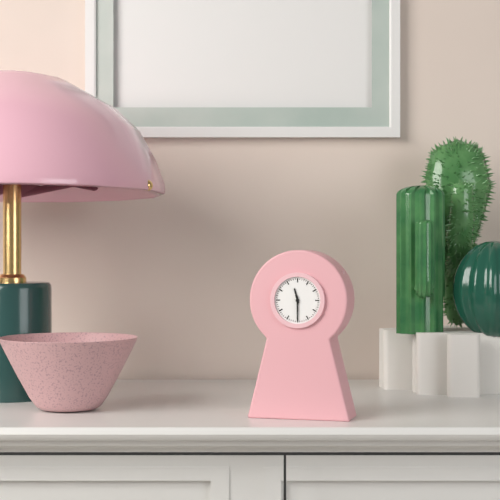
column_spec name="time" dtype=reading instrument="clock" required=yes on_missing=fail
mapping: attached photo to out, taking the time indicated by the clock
11:30
